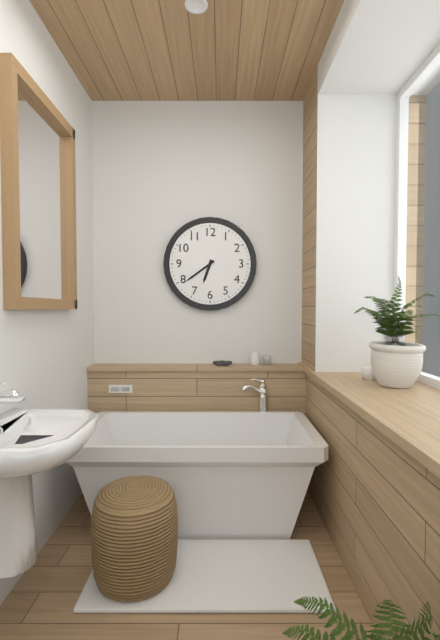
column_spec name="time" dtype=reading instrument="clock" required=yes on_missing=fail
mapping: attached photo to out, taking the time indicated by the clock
6:39
